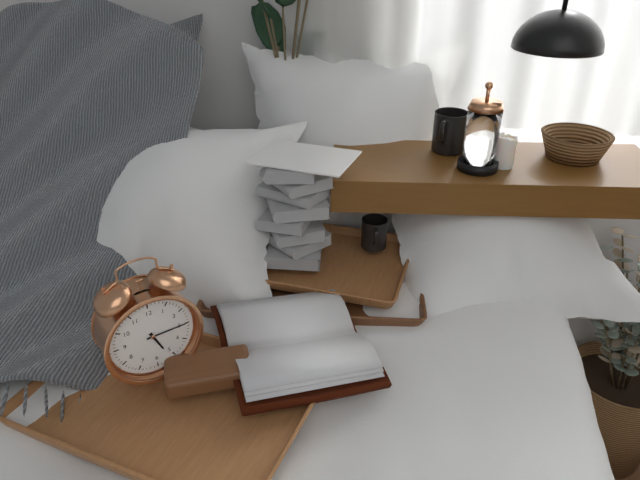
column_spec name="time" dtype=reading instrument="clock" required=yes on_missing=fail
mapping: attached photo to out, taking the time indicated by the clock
5:15
